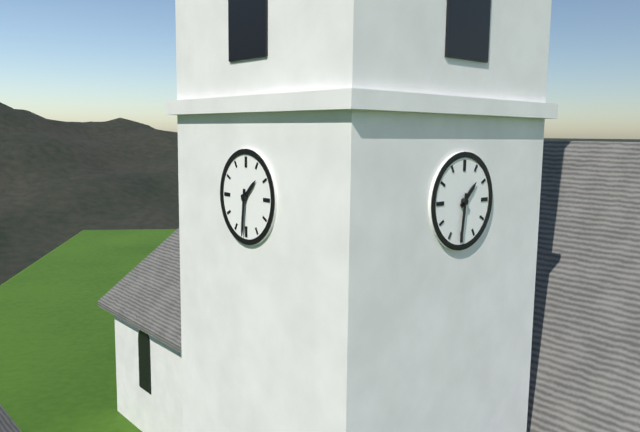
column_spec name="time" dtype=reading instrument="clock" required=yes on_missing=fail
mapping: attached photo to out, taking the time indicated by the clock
1:31
